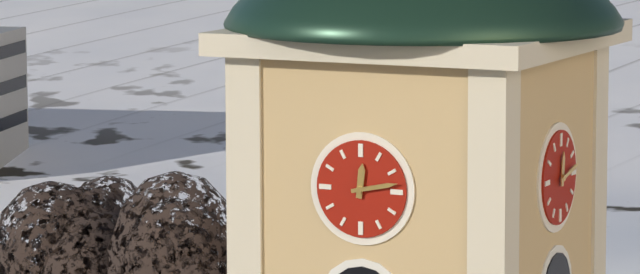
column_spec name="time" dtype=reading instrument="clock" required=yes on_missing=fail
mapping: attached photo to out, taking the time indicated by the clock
12:13
